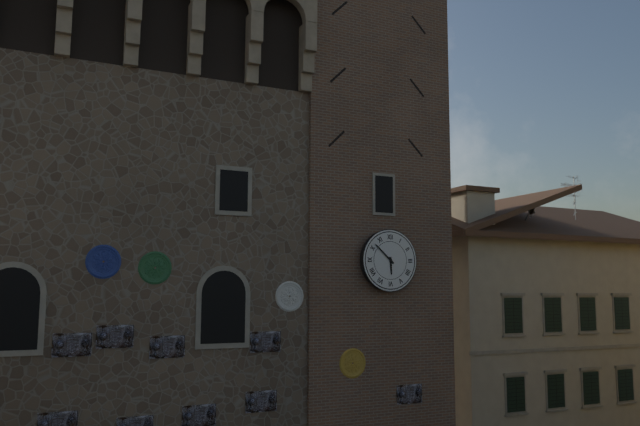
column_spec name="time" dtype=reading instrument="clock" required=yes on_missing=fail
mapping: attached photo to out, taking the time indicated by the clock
5:52
